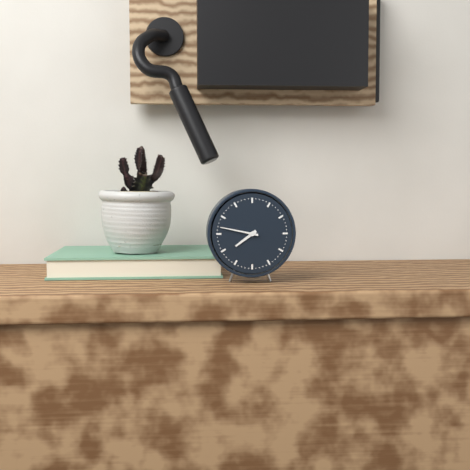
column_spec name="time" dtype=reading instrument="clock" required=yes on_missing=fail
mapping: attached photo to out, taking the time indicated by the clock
7:47
